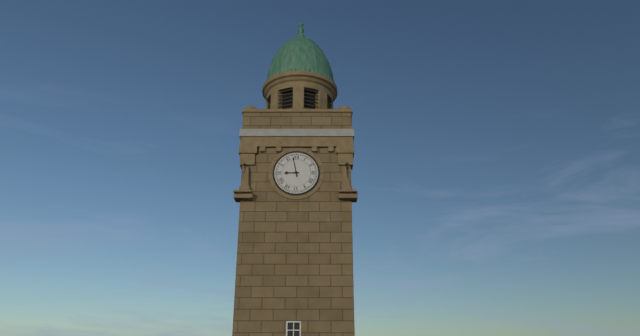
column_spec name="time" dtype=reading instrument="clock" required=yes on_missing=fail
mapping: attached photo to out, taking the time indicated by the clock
8:58
